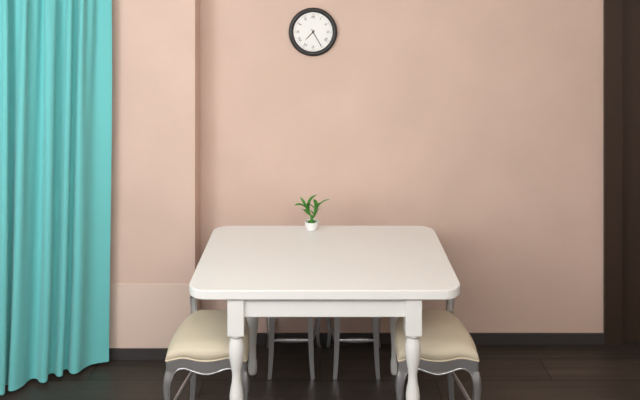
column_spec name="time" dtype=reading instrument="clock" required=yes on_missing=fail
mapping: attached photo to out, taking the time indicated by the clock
7:25
